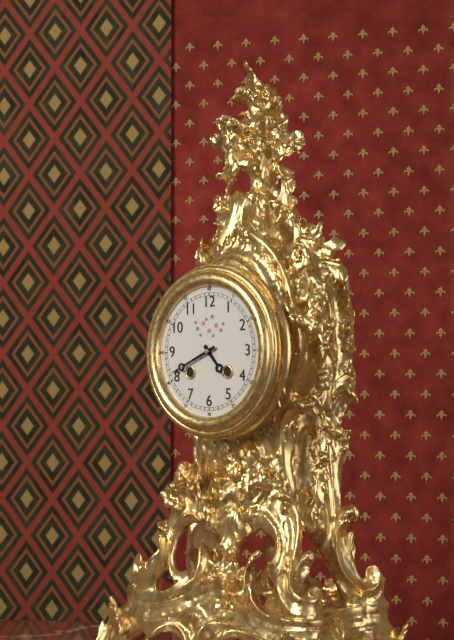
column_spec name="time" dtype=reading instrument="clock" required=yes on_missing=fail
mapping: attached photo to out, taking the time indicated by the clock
4:41
